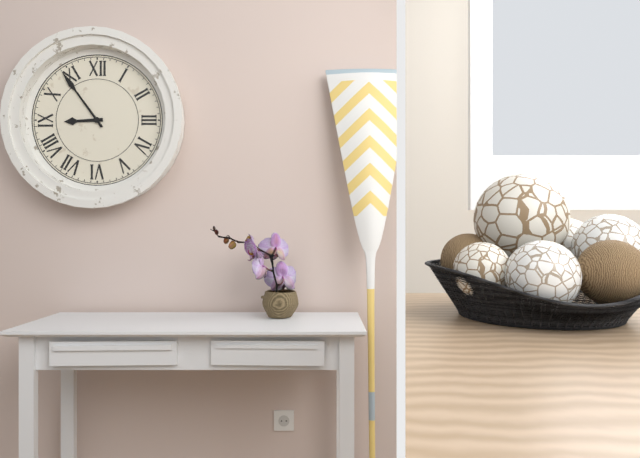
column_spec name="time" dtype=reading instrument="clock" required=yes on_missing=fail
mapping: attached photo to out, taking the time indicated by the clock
8:54
